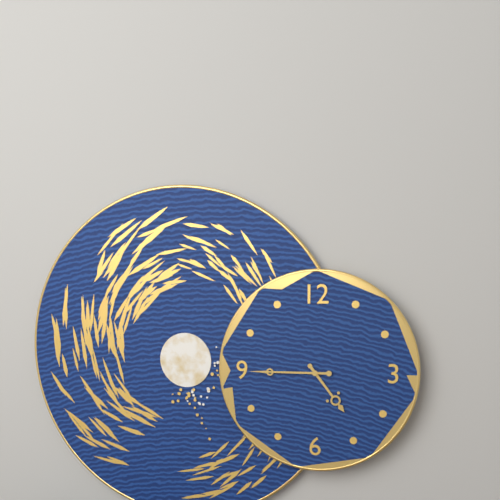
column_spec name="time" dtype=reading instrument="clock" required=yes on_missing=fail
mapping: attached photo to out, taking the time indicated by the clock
4:45
